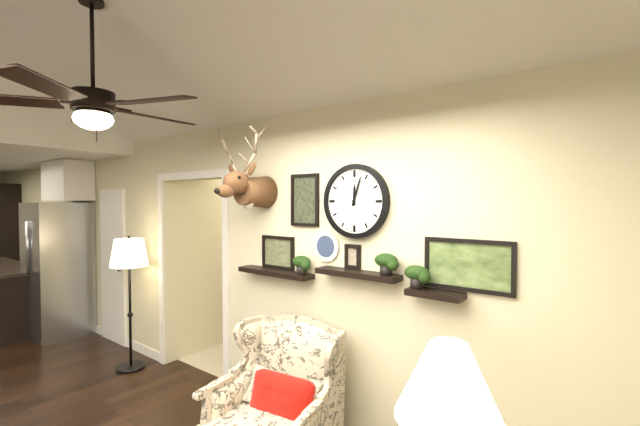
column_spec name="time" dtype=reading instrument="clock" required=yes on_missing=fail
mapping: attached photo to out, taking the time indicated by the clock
12:03
